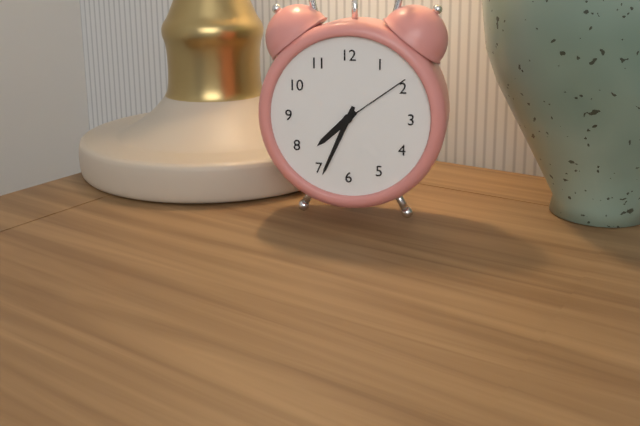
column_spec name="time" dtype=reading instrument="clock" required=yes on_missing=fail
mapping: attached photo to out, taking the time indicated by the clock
7:34:09
